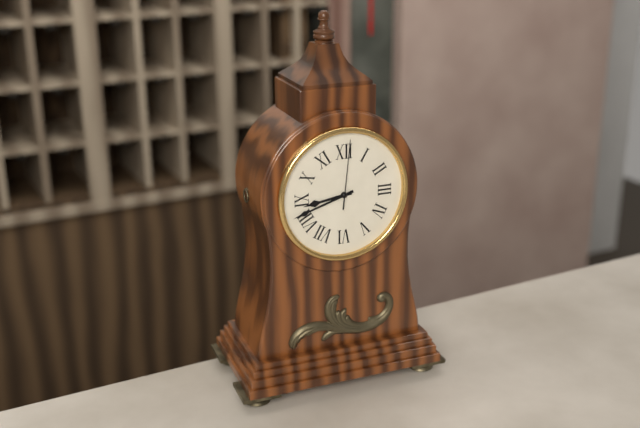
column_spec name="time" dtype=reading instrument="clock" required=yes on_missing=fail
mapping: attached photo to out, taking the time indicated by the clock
8:42:01
